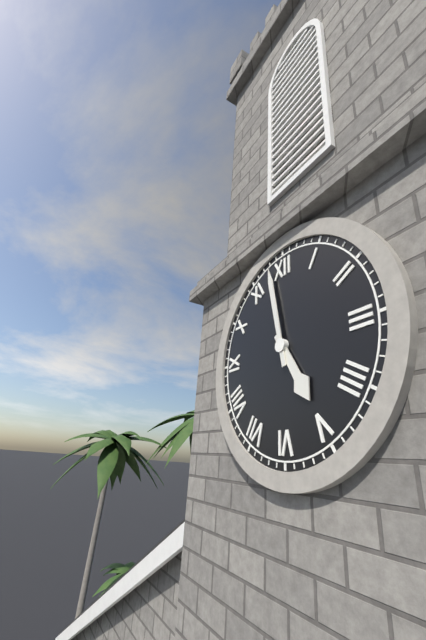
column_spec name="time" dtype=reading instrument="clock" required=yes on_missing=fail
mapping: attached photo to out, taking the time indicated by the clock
4:58
